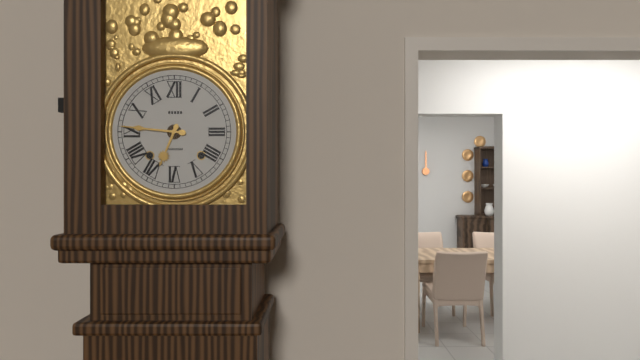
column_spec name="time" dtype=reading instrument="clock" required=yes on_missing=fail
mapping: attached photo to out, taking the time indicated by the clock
6:46
